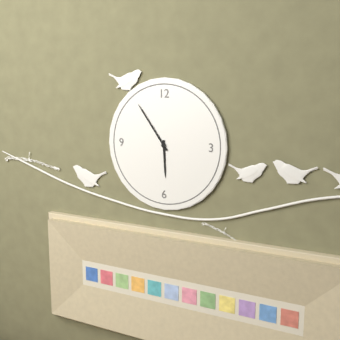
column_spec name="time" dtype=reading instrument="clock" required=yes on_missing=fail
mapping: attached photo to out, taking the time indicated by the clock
5:54
